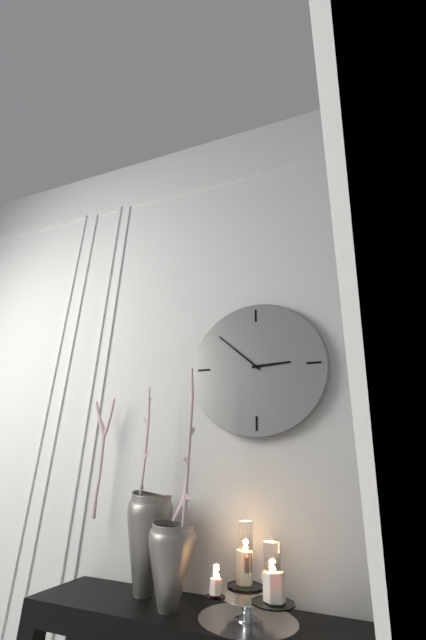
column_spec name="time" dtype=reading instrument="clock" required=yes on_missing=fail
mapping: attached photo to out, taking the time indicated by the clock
2:52
